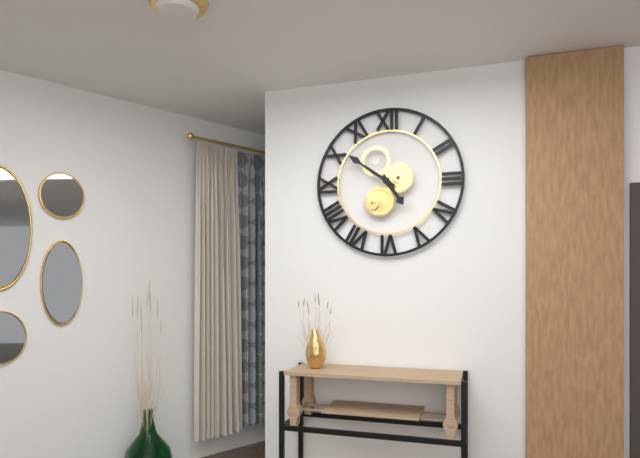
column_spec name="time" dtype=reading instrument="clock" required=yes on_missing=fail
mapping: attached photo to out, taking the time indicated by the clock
4:51
